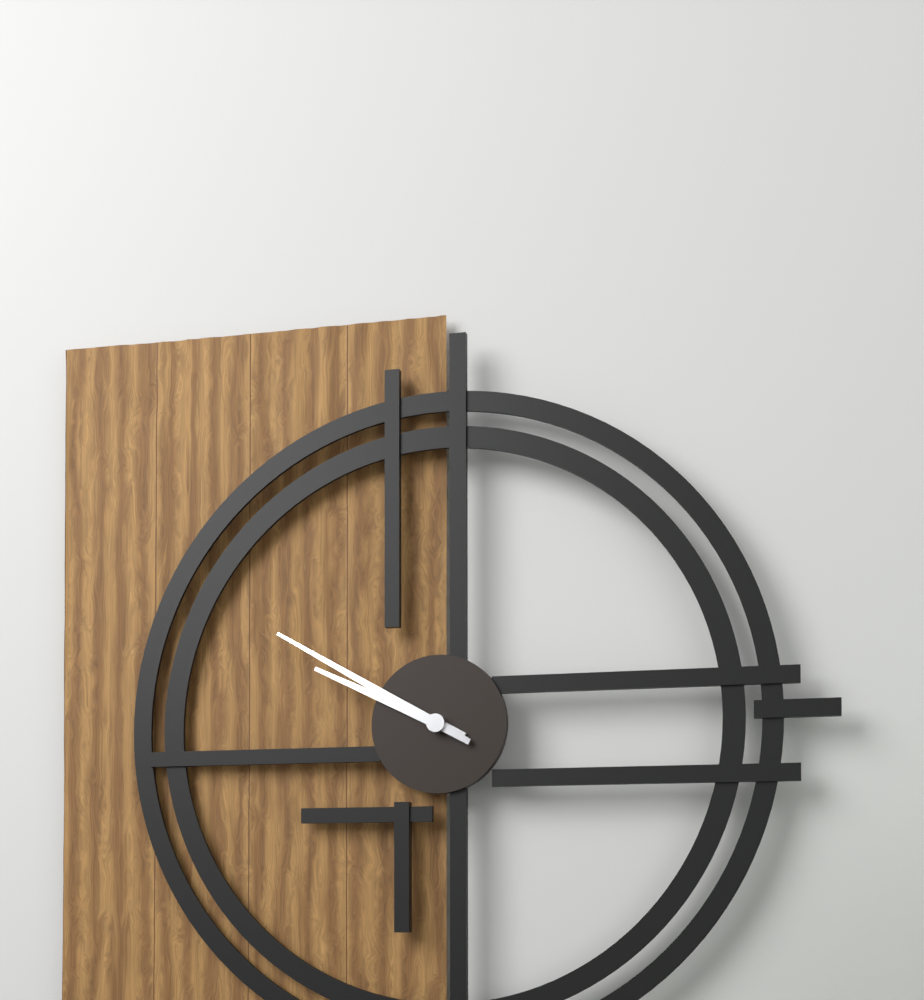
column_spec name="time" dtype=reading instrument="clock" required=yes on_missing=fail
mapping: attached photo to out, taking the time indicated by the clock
9:50
